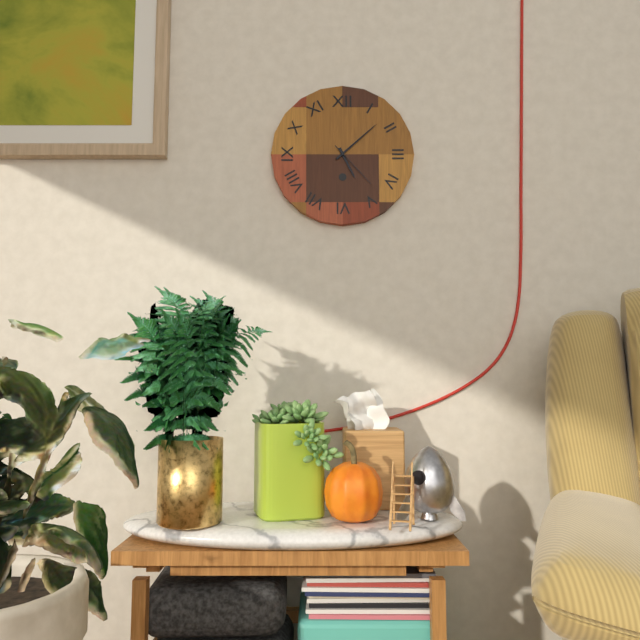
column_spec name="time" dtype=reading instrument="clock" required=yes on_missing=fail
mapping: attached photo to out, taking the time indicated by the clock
5:08:23
